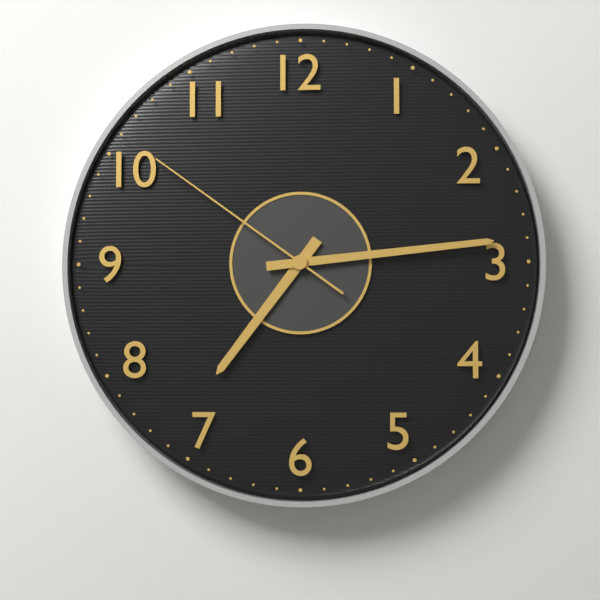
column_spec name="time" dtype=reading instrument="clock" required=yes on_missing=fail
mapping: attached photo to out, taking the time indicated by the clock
7:14:51
